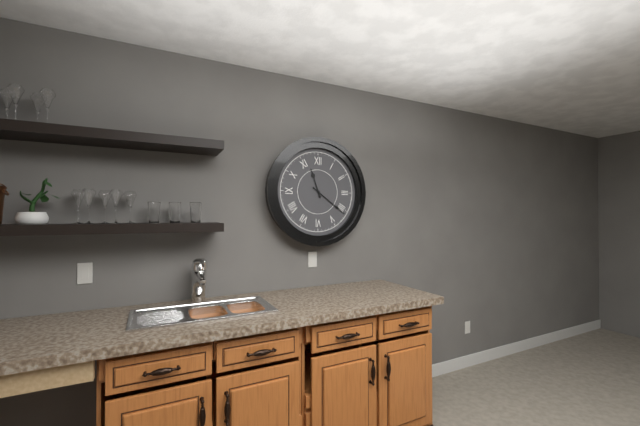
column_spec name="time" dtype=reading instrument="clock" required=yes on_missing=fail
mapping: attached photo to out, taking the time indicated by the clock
11:21
